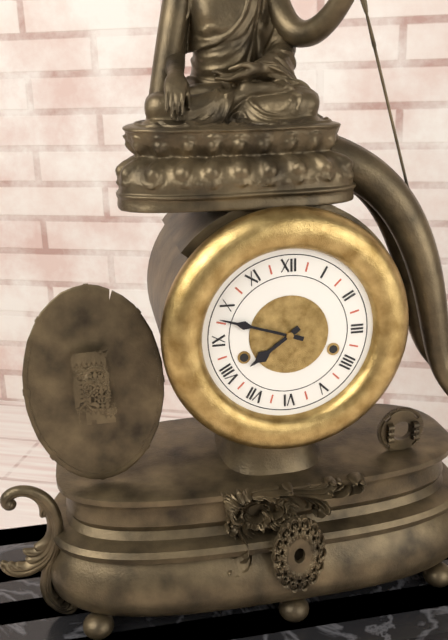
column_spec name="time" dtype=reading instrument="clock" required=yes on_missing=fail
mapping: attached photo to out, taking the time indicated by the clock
7:48
